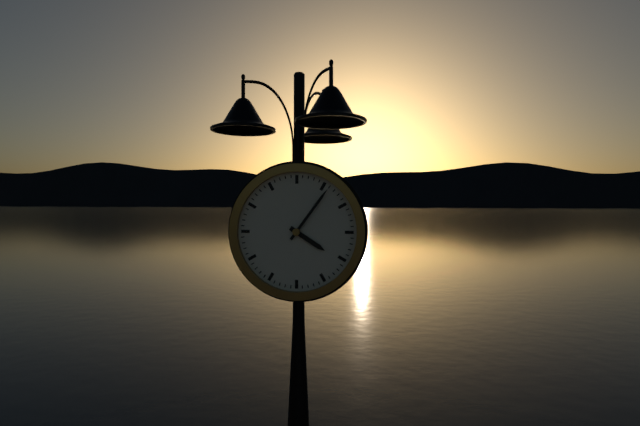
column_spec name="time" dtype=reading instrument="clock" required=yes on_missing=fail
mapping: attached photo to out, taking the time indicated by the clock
4:06
